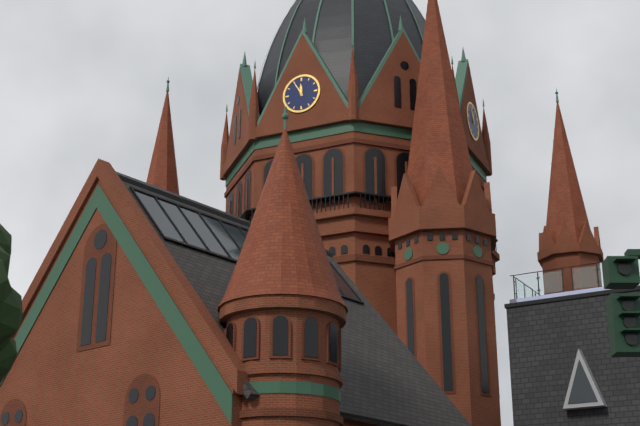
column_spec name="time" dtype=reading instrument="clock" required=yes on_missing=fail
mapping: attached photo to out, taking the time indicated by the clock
11:55
